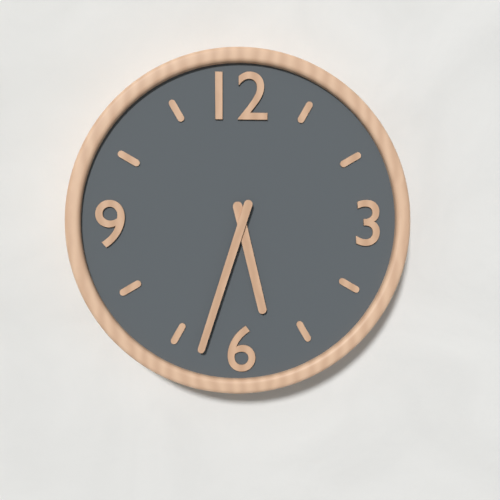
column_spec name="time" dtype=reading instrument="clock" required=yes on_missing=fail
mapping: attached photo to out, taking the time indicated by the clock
5:33
